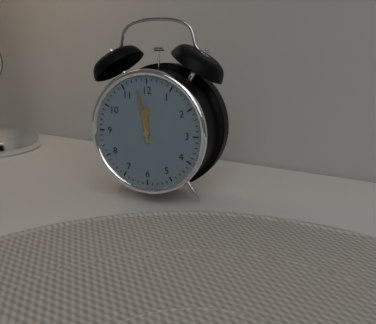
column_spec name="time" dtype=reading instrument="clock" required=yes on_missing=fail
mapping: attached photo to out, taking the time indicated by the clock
11:58
